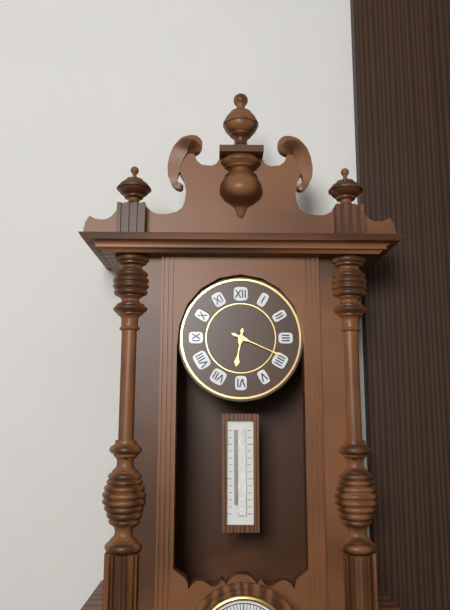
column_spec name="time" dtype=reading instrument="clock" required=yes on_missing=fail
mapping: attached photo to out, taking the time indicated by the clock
6:19
